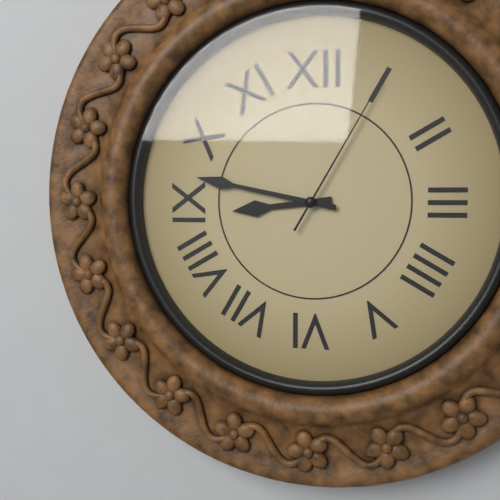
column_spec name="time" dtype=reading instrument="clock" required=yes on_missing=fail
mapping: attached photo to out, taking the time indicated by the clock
8:47:05
